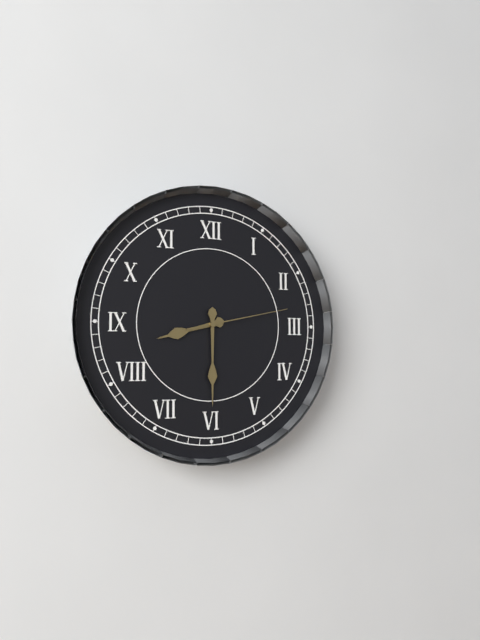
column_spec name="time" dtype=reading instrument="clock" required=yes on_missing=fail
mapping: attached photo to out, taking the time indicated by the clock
8:30:13
